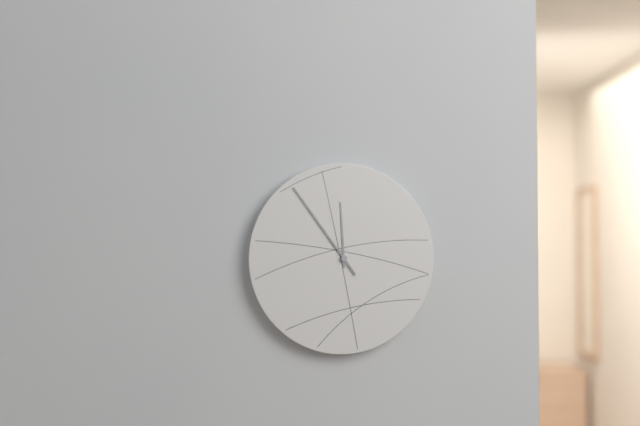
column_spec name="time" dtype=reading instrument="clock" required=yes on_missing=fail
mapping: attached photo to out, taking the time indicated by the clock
11:54
